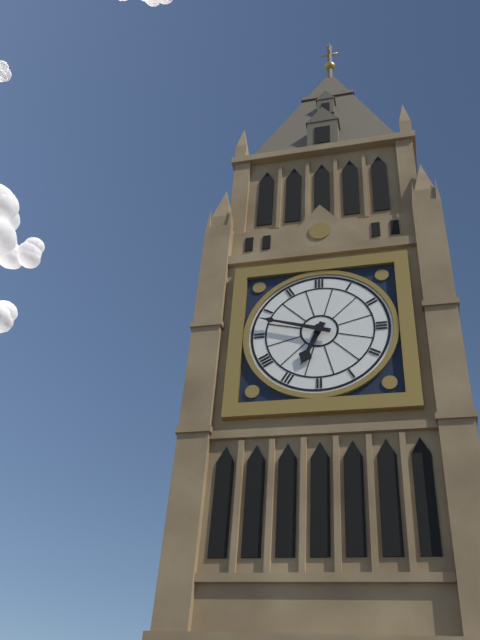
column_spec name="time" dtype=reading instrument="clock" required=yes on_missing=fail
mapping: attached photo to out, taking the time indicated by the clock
6:48
